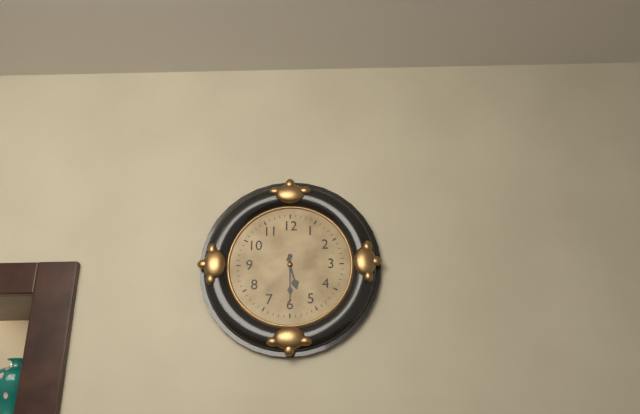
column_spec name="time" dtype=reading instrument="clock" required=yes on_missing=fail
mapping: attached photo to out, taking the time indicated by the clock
5:30
